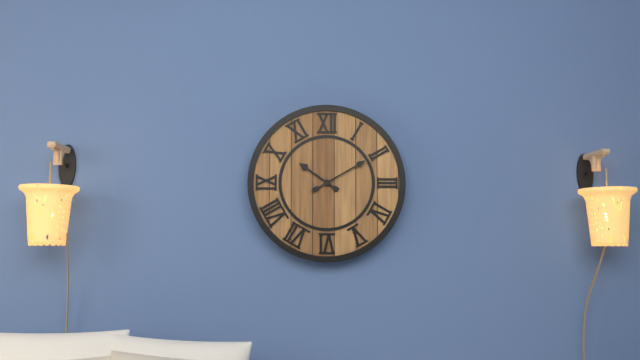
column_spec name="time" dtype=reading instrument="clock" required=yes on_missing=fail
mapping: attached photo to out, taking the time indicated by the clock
10:10
